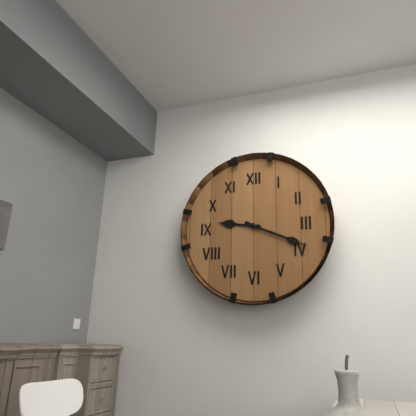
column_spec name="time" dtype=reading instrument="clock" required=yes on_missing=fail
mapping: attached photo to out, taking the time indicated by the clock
9:19
